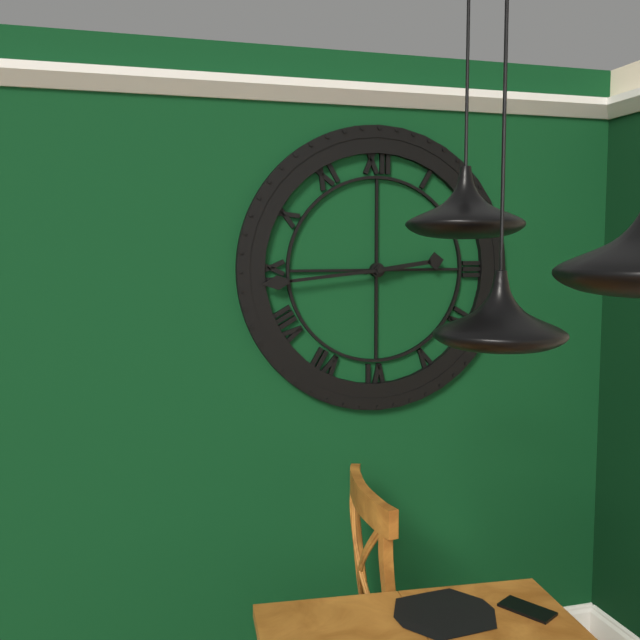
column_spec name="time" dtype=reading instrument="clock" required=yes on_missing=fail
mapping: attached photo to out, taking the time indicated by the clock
2:44
